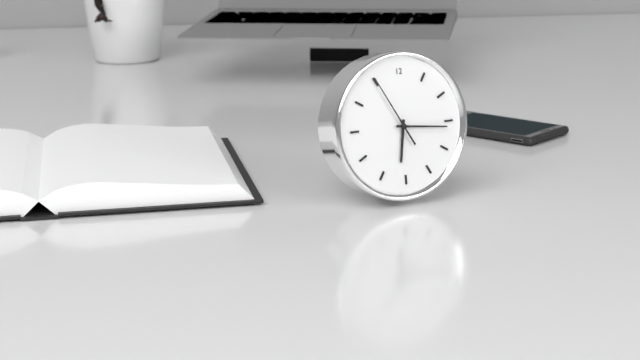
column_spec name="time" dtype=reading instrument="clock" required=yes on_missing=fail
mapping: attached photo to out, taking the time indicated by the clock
6:16:55
